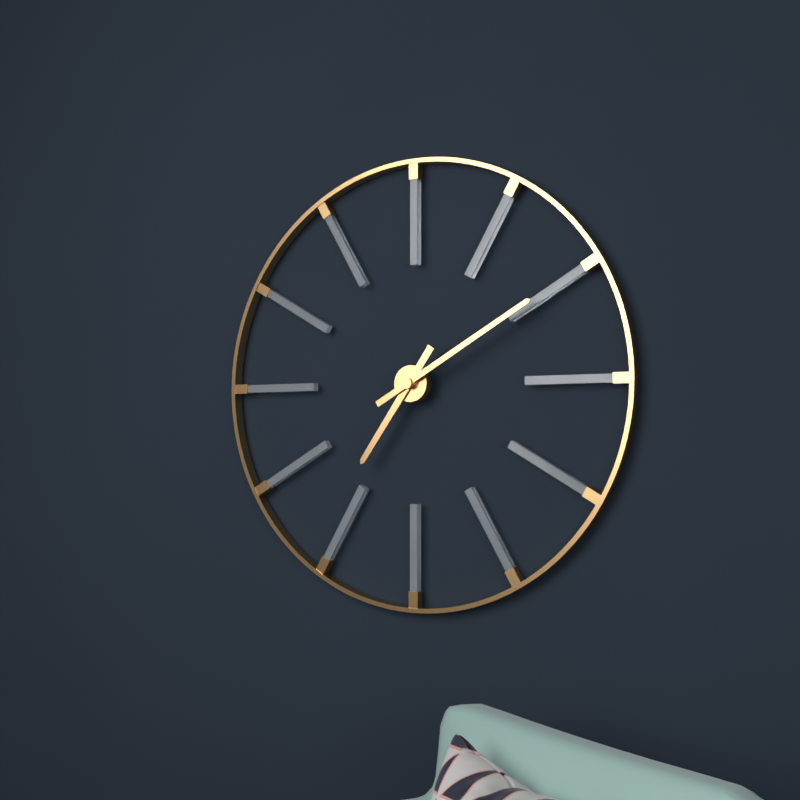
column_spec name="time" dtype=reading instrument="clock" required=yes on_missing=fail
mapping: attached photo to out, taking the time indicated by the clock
7:10
